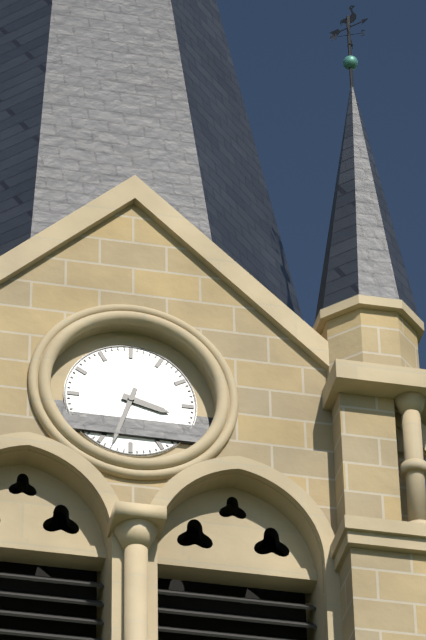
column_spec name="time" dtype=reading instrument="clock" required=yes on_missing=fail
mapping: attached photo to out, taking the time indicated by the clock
3:33
